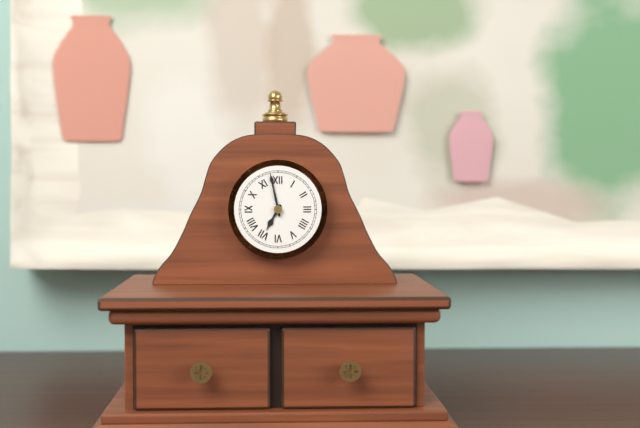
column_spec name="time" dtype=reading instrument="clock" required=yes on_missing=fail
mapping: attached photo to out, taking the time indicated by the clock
6:58
